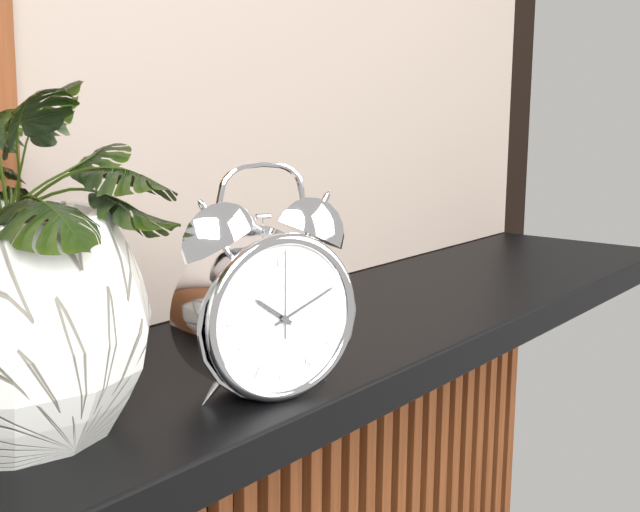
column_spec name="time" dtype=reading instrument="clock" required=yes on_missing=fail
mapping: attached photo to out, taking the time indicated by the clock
10:11:00
